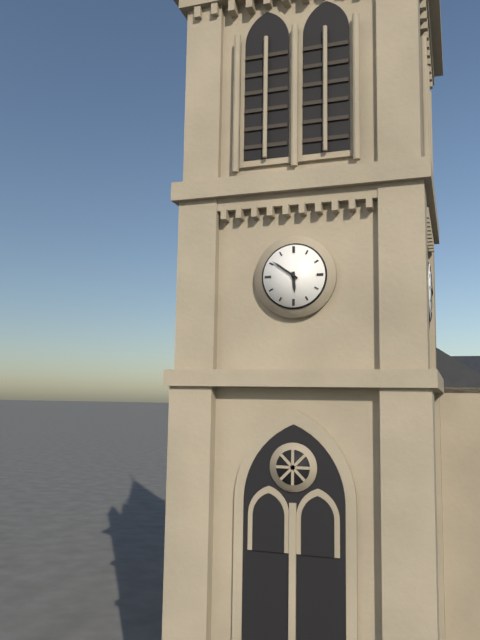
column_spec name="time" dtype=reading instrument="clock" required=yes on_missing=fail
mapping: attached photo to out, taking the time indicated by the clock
5:51
